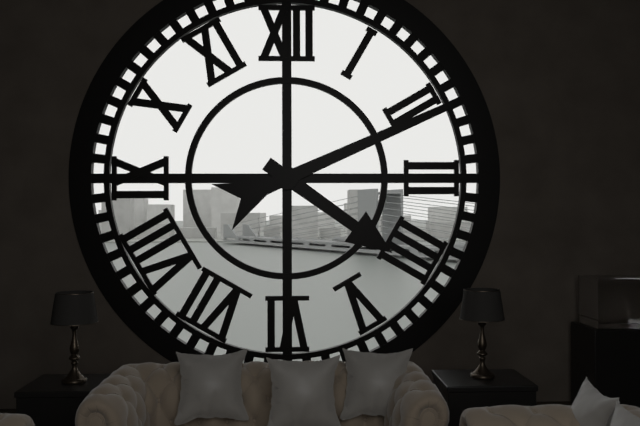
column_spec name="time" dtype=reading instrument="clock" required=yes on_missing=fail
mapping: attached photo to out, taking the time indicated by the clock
4:11
